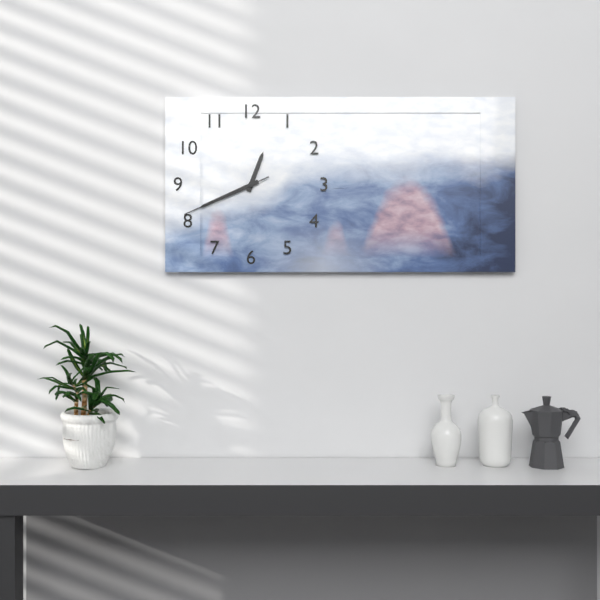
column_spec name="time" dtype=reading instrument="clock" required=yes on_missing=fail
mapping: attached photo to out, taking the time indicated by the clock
12:41:41
